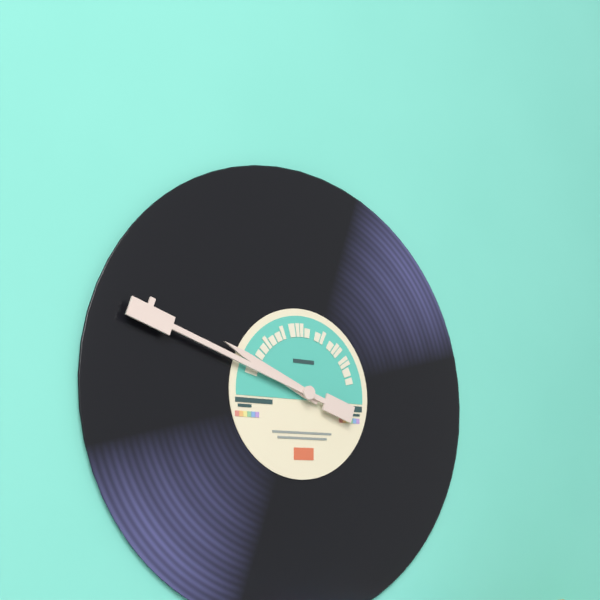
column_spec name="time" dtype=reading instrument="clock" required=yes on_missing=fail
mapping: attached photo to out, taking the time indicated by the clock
9:48
